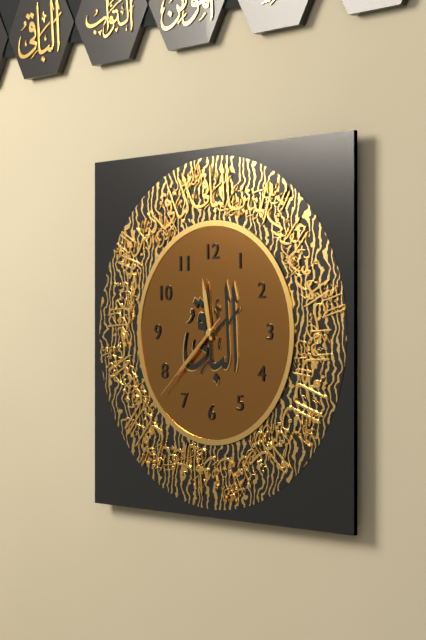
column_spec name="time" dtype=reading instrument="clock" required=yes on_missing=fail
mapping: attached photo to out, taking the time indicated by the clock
11:38:38
